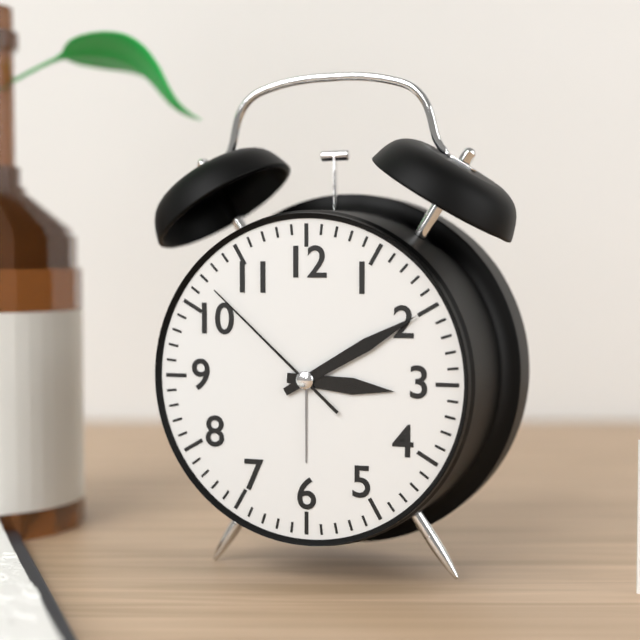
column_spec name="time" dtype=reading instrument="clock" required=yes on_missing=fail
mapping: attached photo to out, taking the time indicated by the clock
3:10:52
